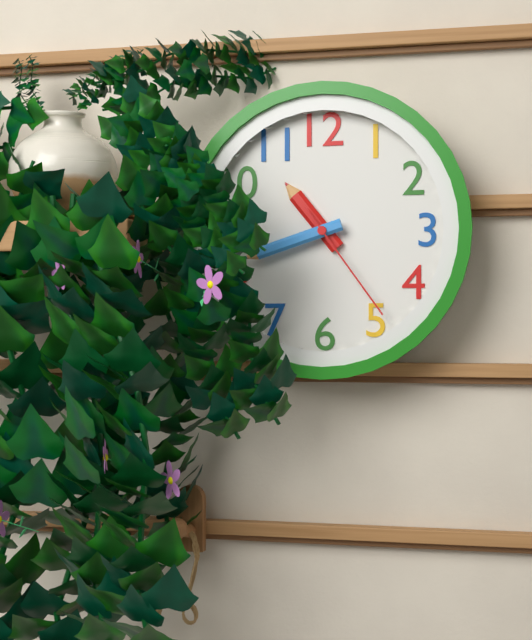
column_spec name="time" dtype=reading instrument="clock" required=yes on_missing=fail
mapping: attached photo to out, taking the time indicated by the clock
10:42:24
